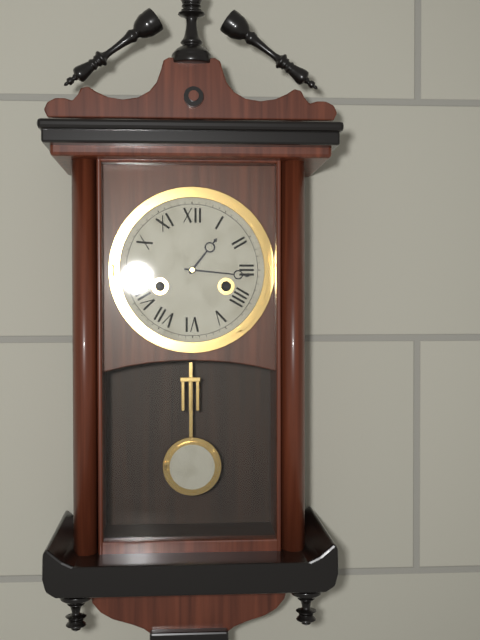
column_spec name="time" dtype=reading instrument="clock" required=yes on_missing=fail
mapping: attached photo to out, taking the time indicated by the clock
1:16
